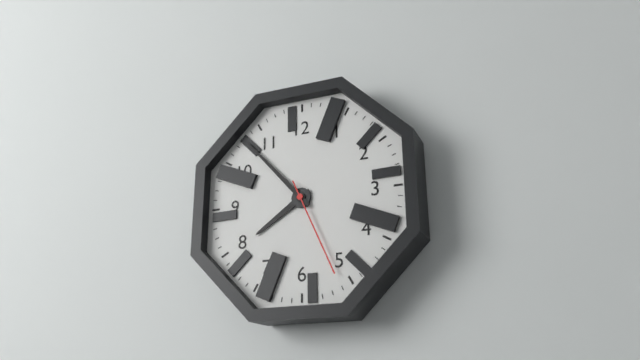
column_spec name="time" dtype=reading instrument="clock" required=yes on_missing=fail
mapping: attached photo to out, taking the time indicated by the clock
7:53:26
